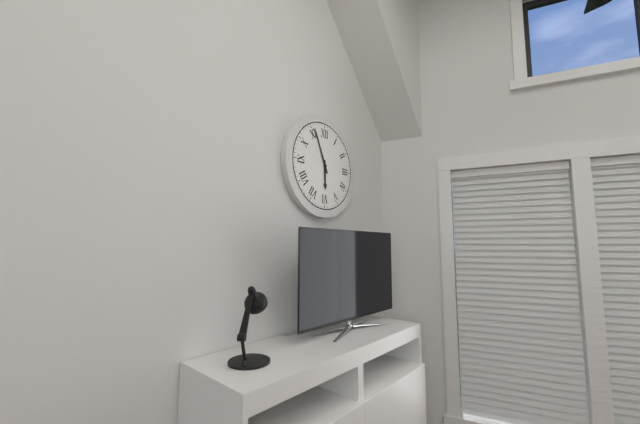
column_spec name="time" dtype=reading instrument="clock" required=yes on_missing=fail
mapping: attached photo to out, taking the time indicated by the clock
5:56
